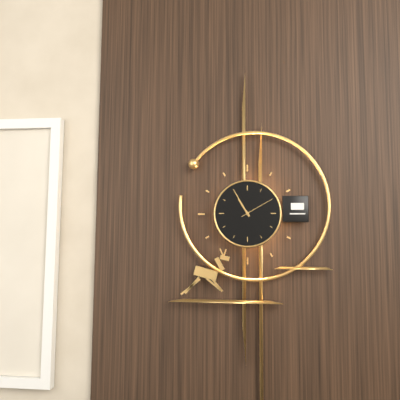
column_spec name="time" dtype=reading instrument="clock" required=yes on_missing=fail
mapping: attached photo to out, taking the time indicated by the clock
10:55
